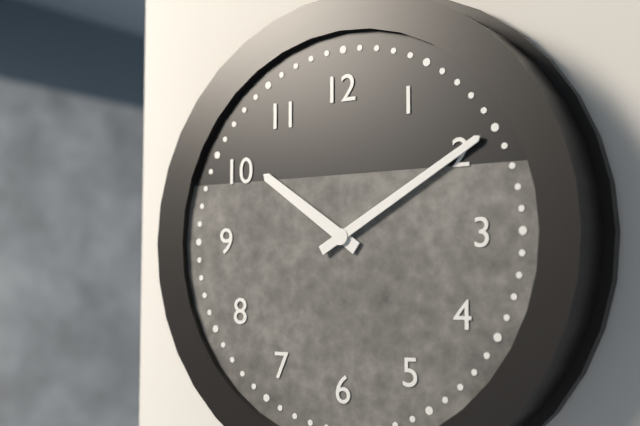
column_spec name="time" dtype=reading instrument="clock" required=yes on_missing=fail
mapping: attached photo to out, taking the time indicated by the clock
10:10
